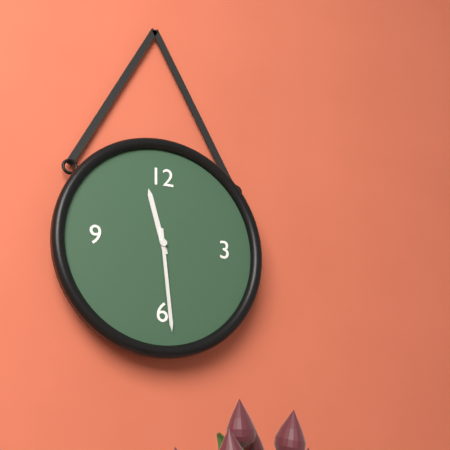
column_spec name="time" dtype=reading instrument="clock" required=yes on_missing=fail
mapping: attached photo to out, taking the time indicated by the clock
11:29
